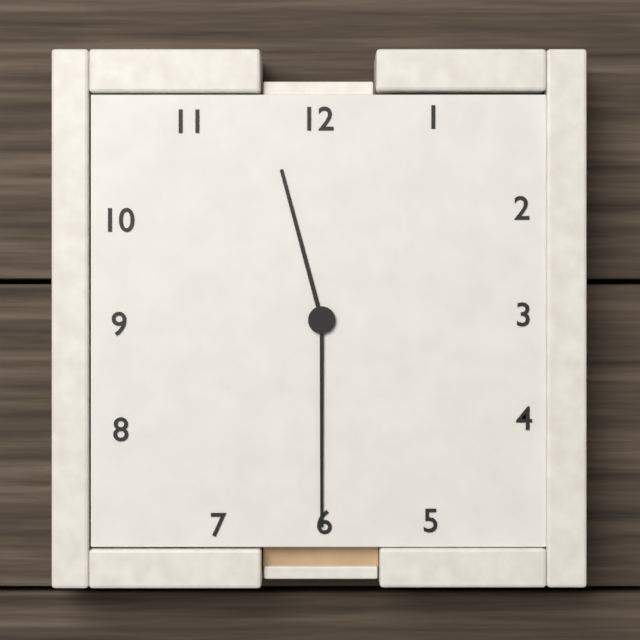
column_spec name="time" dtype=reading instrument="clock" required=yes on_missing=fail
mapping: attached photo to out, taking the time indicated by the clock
11:30
